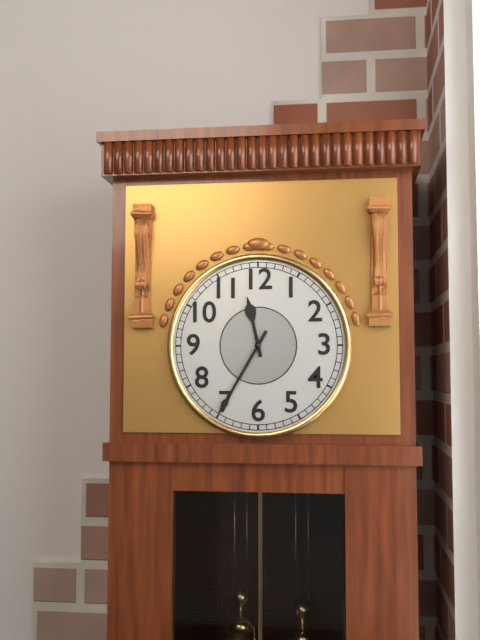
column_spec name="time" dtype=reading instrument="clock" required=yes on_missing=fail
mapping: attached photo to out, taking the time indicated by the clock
11:35
